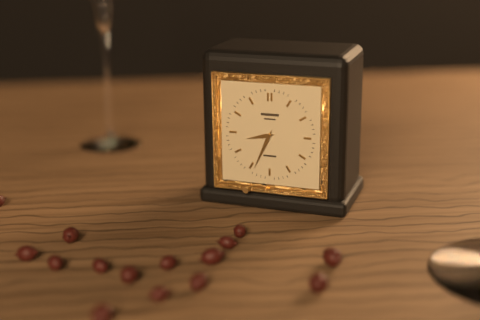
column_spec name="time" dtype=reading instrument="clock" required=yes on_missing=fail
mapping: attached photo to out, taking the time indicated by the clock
8:34
